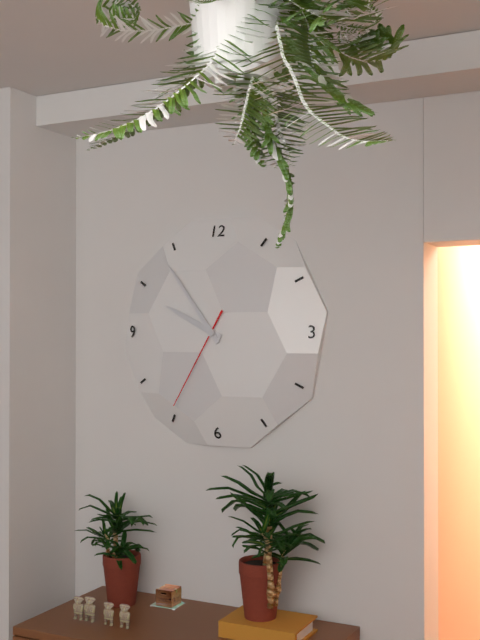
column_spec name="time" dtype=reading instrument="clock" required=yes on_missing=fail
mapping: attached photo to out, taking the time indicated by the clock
9:54:35
